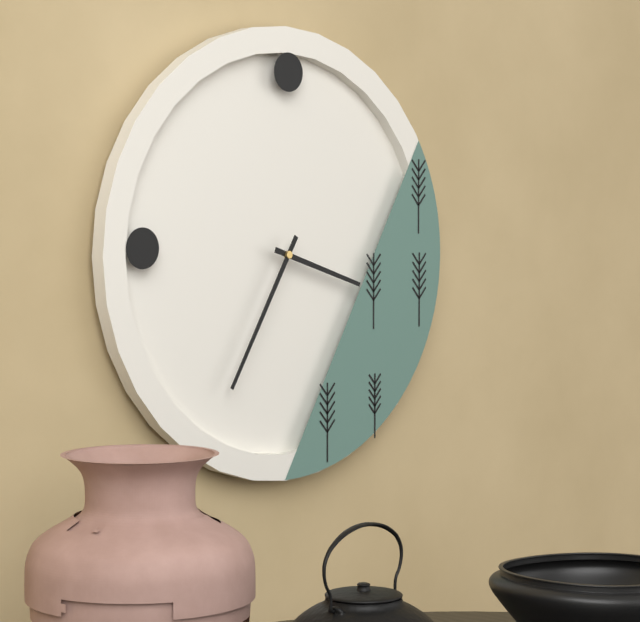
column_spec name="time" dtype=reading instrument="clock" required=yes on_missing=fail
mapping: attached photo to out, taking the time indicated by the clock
3:35
